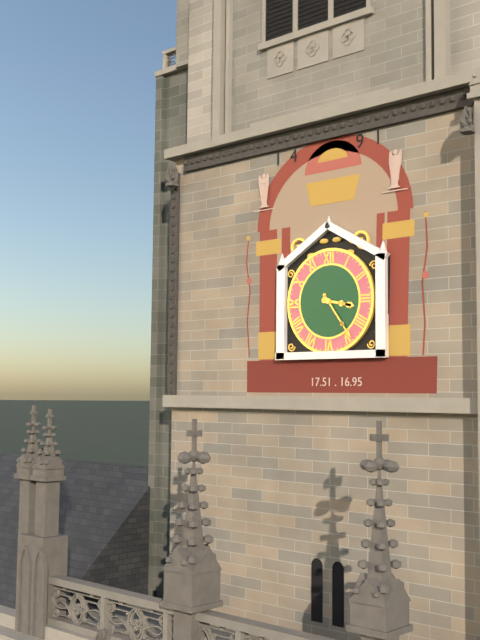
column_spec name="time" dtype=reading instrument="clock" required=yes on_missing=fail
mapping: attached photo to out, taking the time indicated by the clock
3:24
